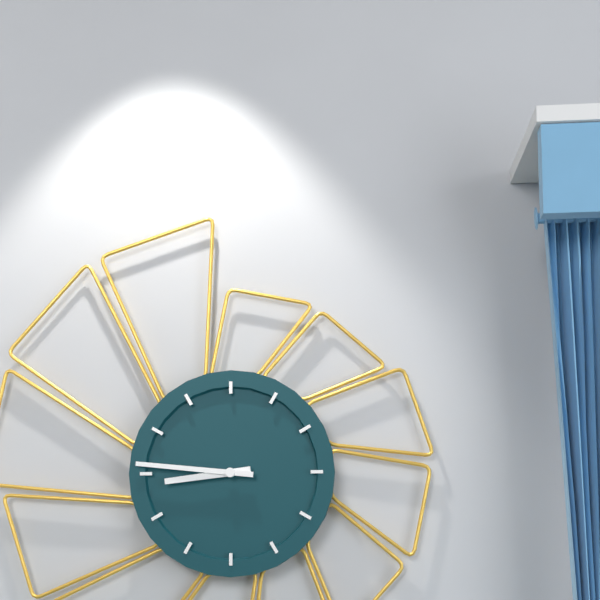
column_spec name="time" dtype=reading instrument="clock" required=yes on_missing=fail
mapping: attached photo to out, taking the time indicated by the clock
8:46
